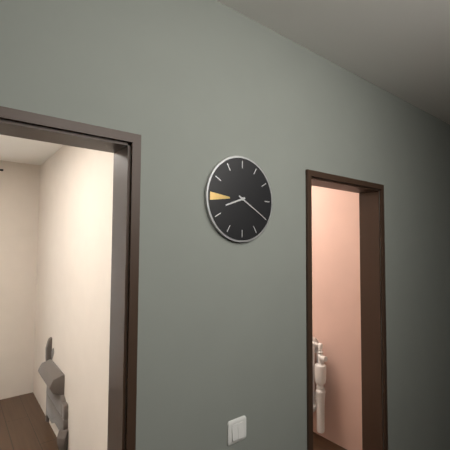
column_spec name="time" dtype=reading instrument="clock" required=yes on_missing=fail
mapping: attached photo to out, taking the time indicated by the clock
8:20
